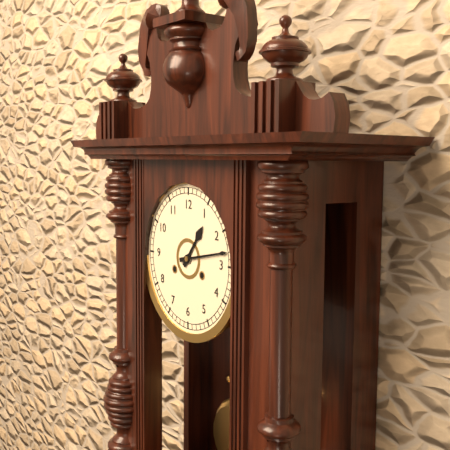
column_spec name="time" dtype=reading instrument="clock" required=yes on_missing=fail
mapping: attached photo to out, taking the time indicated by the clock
1:13
